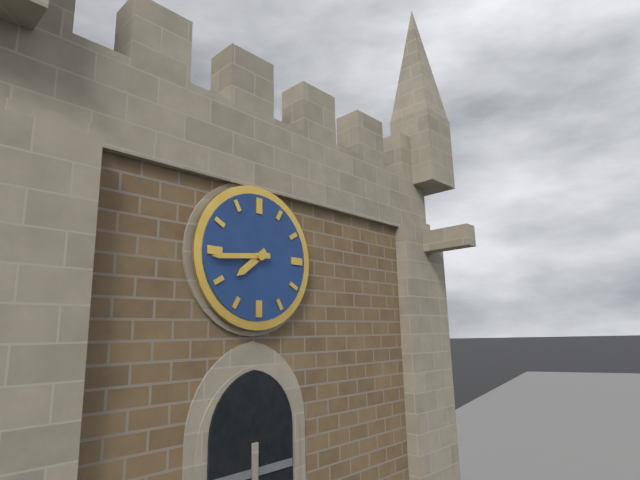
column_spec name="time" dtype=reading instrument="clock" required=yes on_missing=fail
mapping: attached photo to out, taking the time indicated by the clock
7:44
